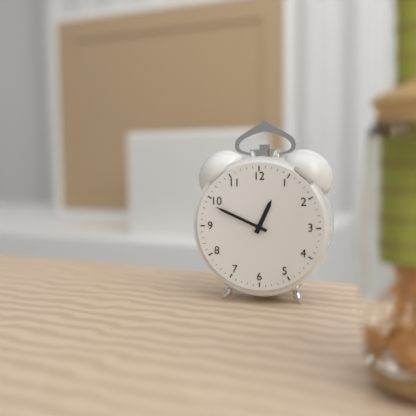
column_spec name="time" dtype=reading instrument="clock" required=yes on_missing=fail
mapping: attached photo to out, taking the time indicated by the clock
12:49
